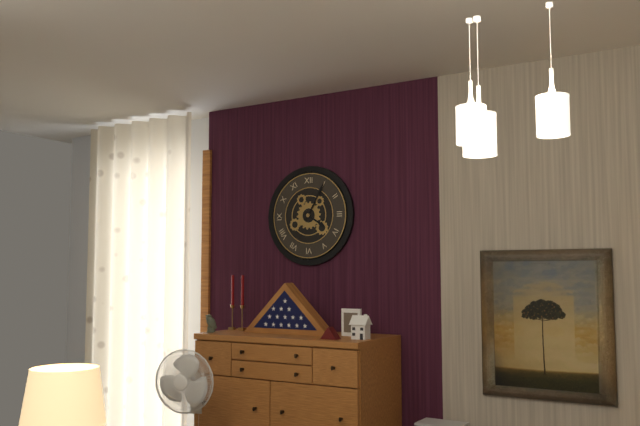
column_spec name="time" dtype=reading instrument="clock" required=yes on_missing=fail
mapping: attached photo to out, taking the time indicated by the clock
4:05
